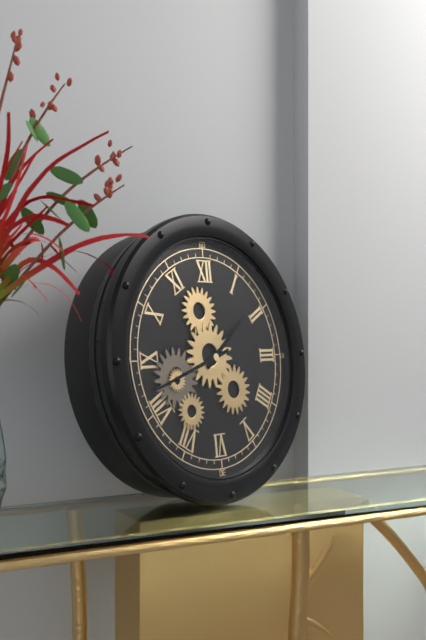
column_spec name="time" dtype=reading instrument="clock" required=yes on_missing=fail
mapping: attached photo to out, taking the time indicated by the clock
1:42
